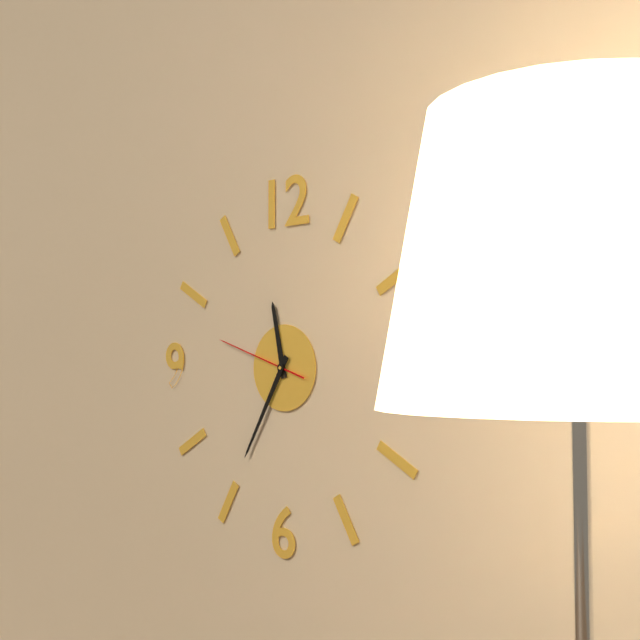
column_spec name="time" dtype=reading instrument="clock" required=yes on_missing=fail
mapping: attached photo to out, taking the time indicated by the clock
11:35:48
